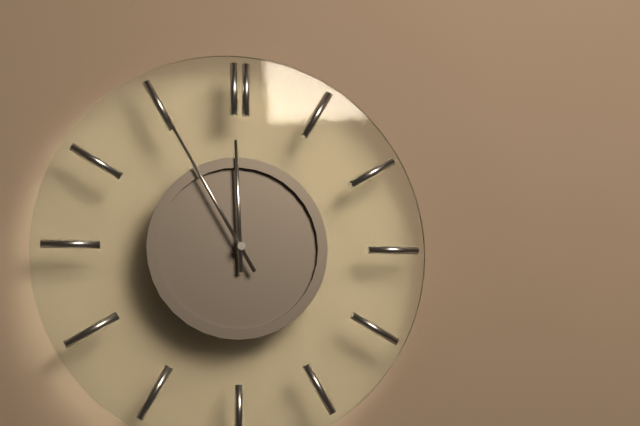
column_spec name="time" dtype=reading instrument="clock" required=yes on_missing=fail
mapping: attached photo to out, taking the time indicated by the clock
11:55
